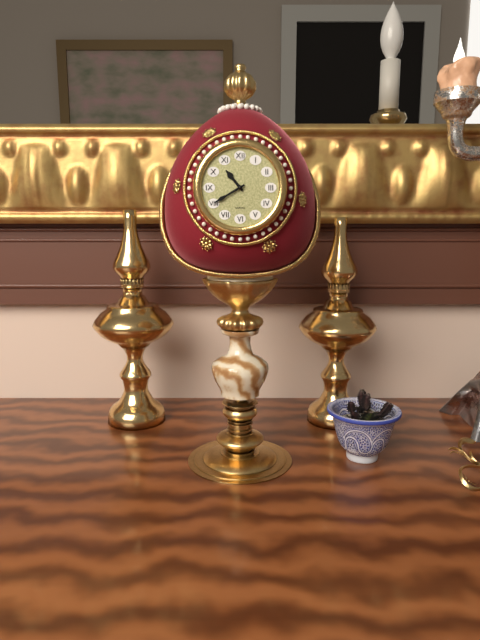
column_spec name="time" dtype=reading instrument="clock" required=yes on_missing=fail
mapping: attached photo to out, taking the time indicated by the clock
10:40
